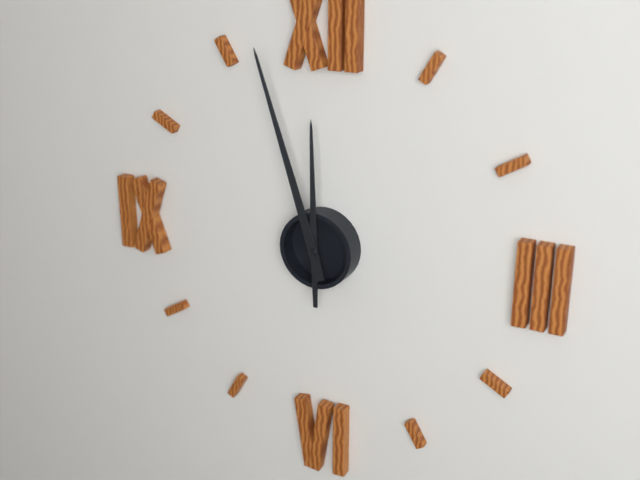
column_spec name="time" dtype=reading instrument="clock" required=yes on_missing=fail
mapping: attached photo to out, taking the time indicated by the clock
11:57
